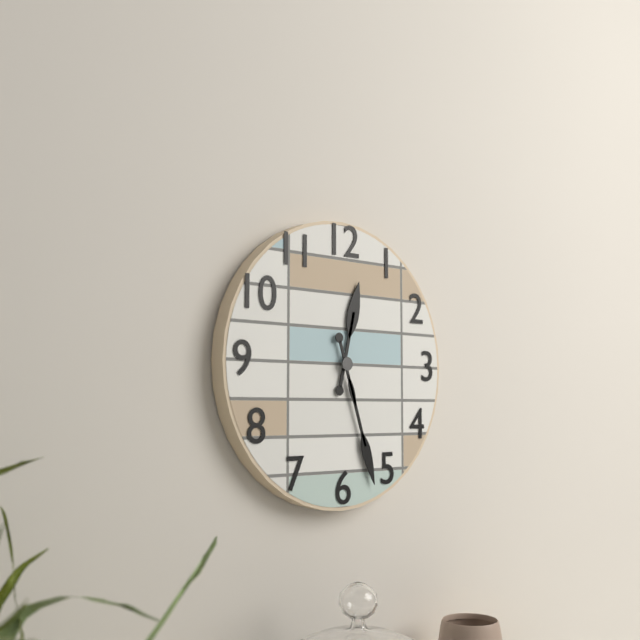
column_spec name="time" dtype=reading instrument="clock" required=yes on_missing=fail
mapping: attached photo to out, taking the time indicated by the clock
12:27
